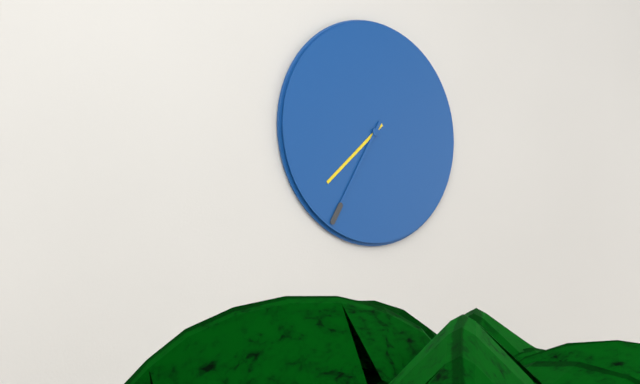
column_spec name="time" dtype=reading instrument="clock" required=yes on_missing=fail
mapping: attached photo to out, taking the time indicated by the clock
7:35
